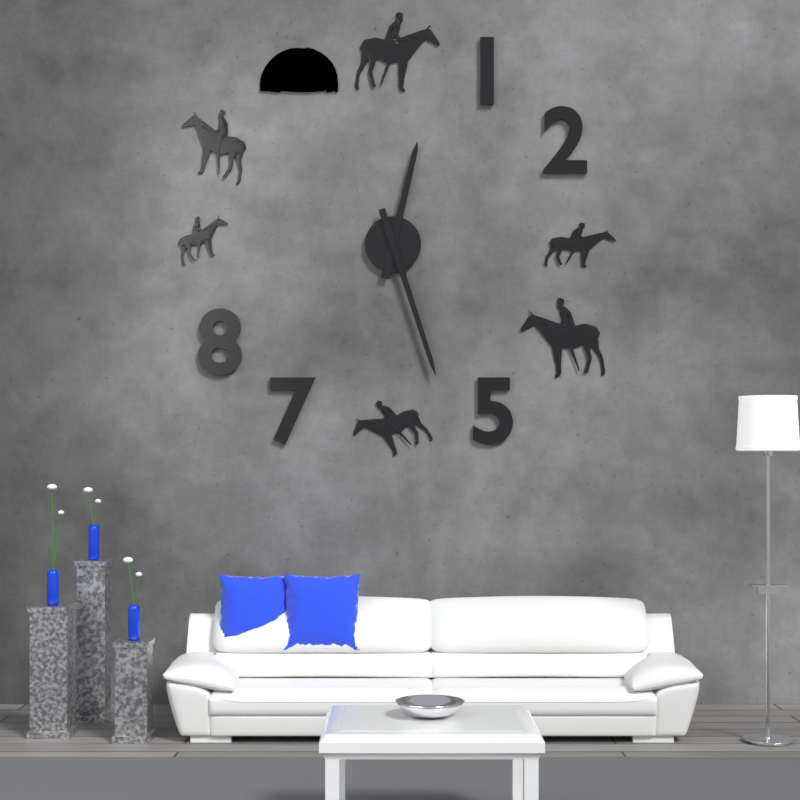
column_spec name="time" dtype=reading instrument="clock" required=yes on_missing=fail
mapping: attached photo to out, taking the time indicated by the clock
12:27
